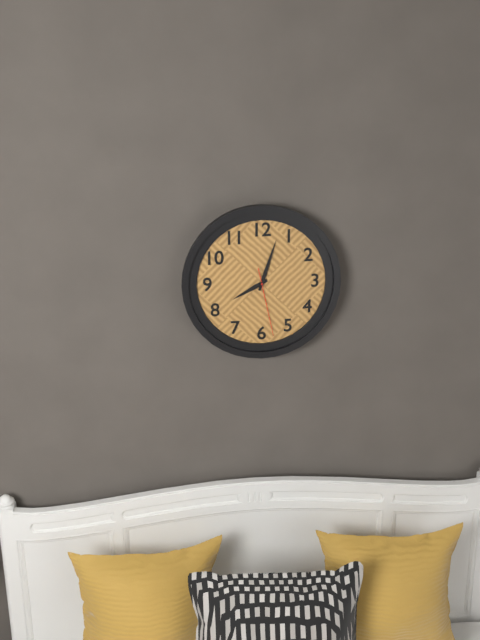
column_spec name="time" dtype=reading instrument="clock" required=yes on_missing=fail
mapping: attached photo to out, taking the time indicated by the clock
8:03:28
